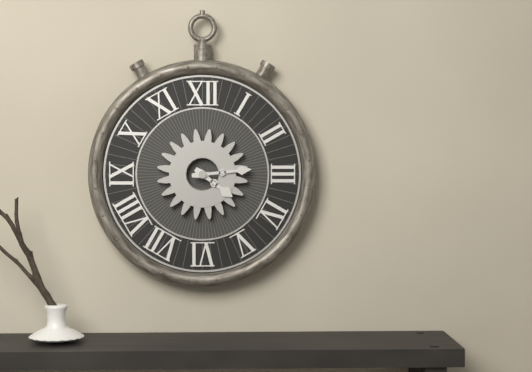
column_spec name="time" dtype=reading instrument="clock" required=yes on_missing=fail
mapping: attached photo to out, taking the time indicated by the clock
4:14
